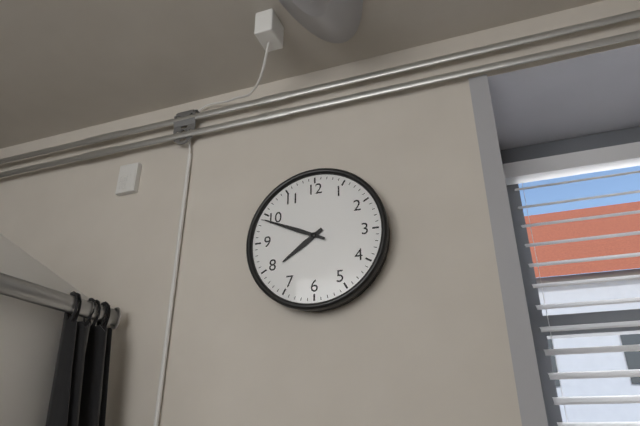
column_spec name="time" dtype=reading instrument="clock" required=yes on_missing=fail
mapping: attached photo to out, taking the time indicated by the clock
7:49
